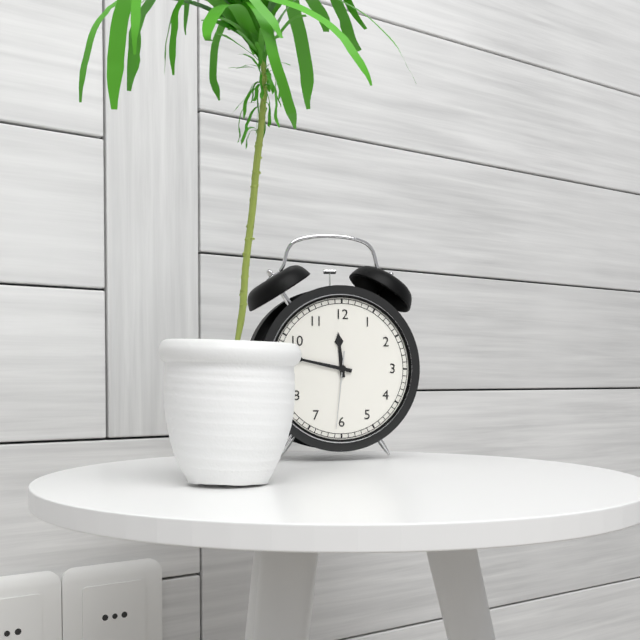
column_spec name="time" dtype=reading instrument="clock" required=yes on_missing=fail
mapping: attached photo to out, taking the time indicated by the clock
11:47:31
